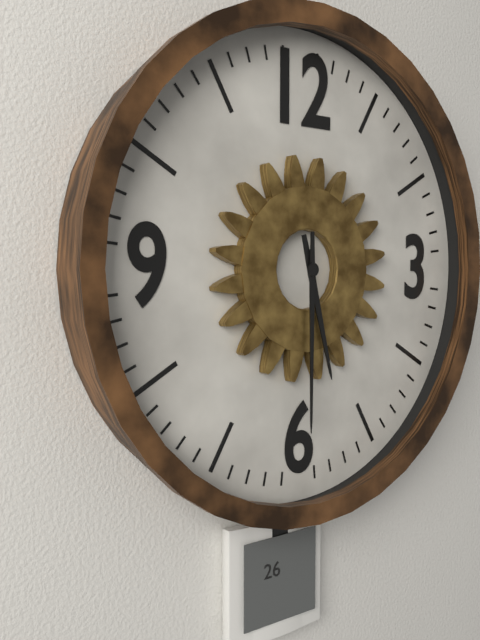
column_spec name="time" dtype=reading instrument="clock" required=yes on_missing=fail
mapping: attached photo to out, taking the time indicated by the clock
5:30
